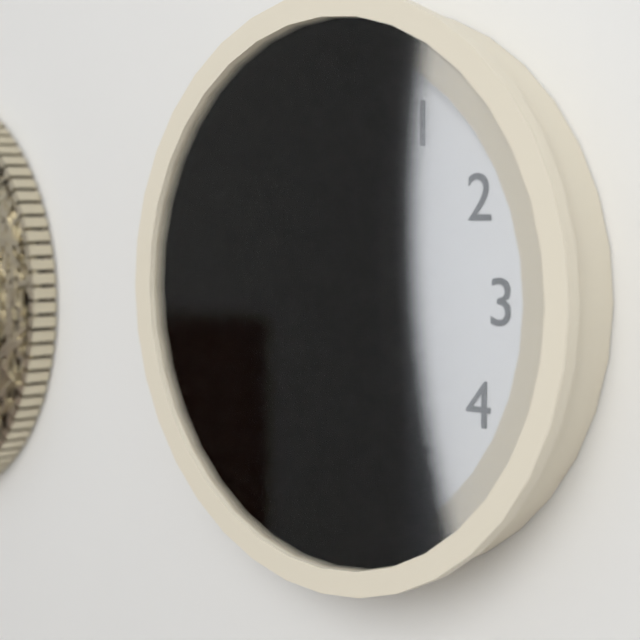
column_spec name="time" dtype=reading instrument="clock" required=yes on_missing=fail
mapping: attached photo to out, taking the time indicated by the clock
5:50:49
